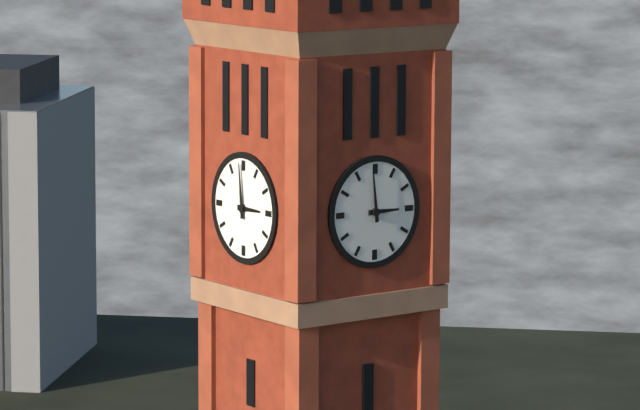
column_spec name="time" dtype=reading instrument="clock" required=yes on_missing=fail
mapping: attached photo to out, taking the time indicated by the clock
2:59
